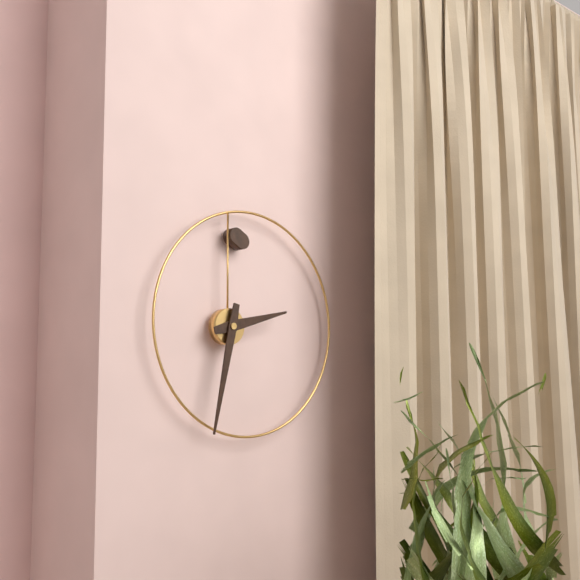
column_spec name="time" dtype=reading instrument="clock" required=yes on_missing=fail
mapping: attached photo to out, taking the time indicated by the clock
2:32
